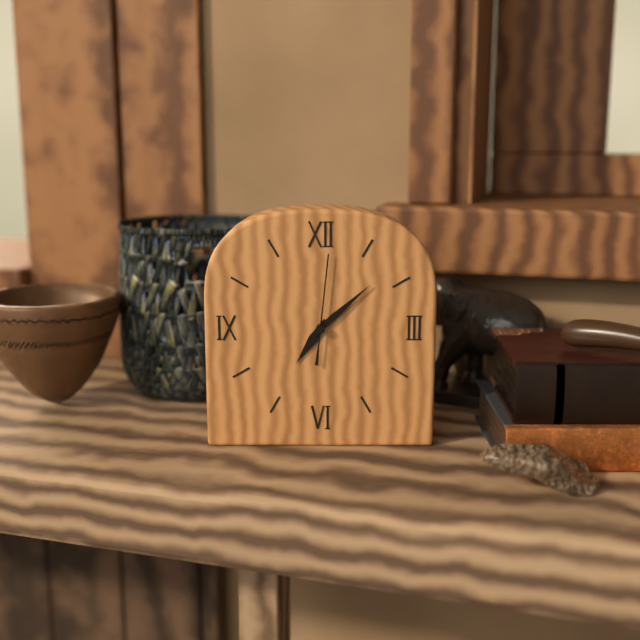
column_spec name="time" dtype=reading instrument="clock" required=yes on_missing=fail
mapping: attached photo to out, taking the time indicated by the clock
7:08:01
